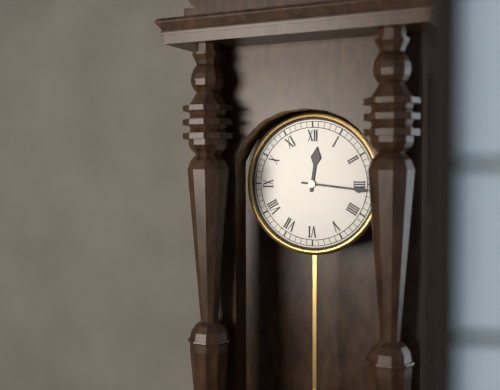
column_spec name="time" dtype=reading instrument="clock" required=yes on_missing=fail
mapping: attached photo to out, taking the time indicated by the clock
12:16
